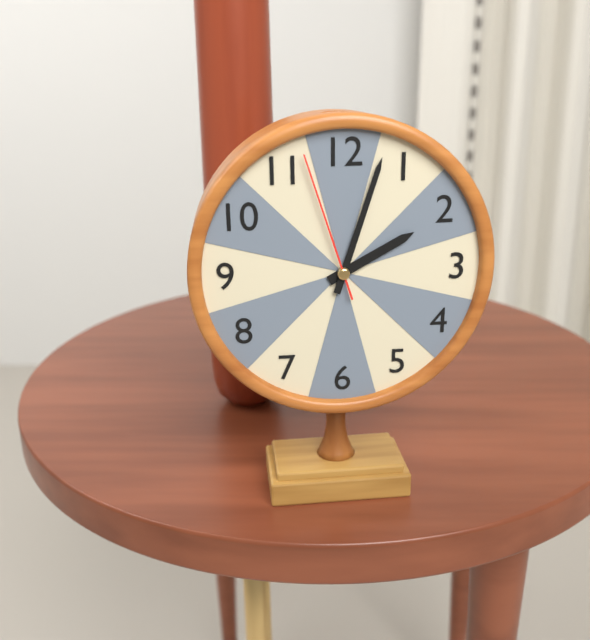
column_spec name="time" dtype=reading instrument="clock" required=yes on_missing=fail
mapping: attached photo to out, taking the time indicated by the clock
2:03:57
